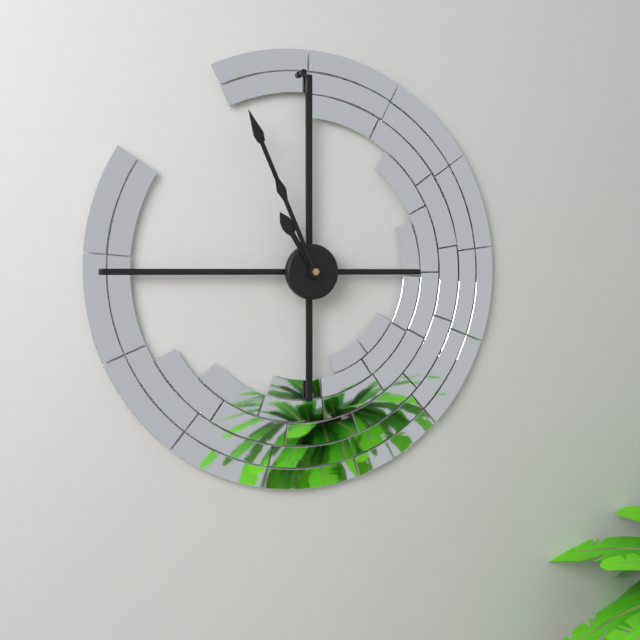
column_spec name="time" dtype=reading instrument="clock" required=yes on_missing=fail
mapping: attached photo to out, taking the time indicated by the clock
10:56
